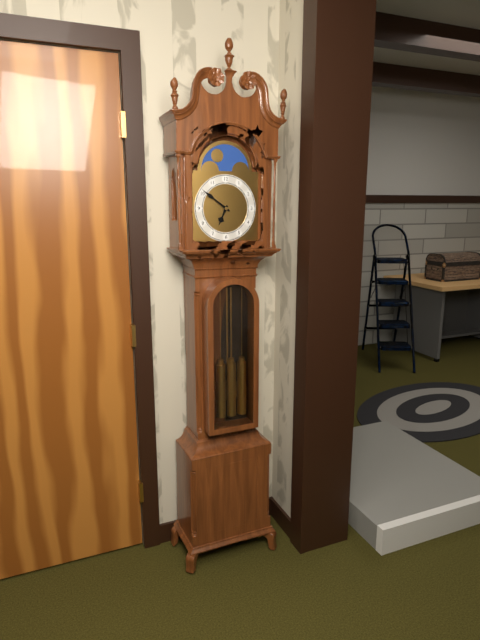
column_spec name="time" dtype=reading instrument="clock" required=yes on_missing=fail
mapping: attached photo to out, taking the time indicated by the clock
6:51
